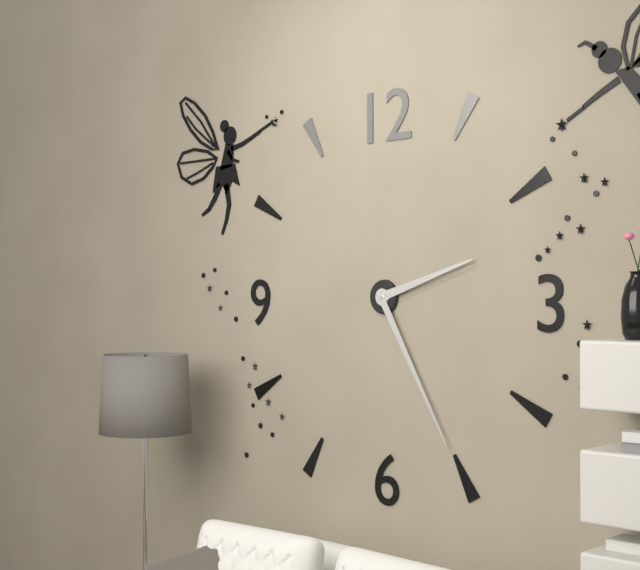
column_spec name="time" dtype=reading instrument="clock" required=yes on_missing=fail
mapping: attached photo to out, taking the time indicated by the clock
2:25
